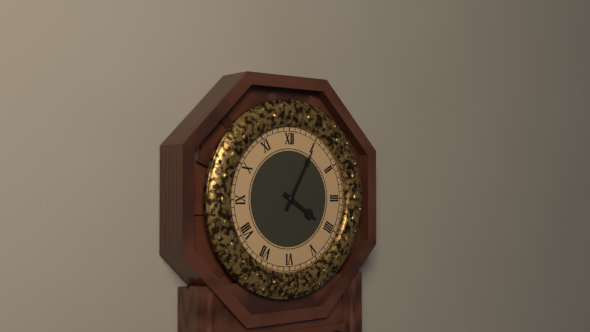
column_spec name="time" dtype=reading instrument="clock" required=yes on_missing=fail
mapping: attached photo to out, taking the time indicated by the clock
4:05
